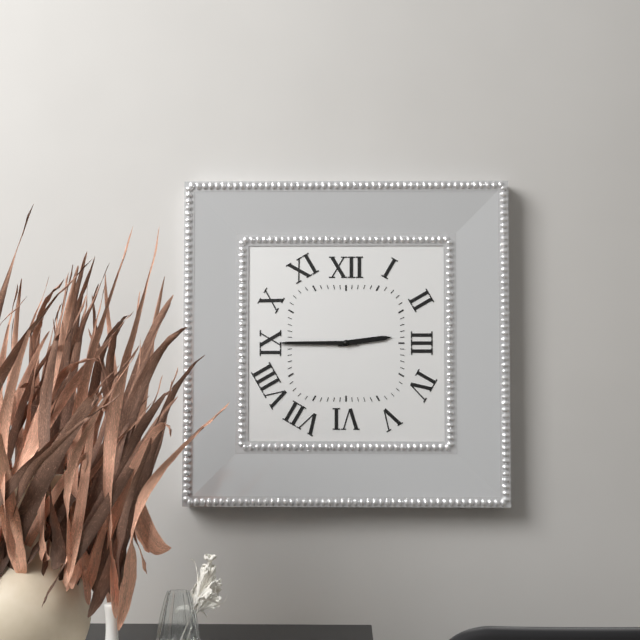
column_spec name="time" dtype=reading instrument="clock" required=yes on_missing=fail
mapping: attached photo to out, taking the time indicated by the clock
2:45
